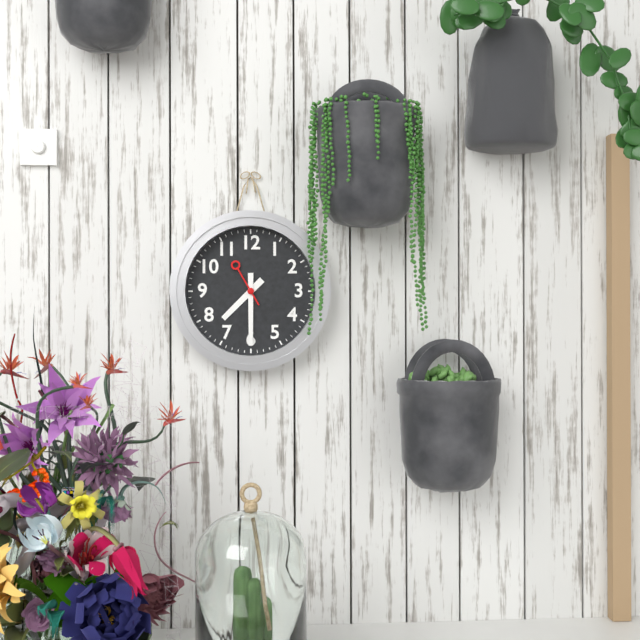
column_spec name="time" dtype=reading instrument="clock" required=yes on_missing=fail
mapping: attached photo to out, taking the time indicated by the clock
7:30
